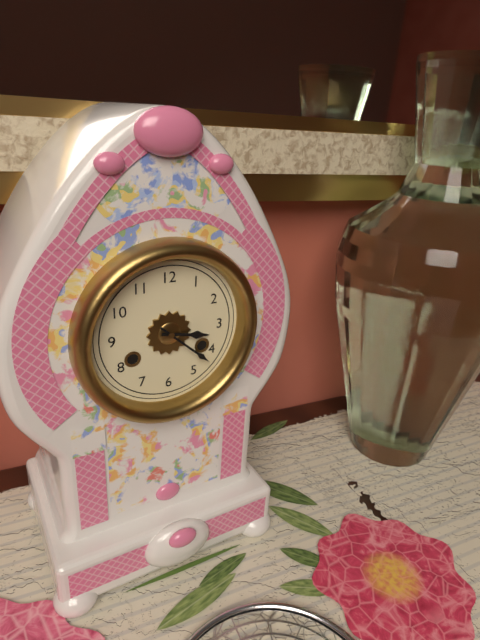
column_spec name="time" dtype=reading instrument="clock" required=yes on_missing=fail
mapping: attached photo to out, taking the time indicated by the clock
3:22
